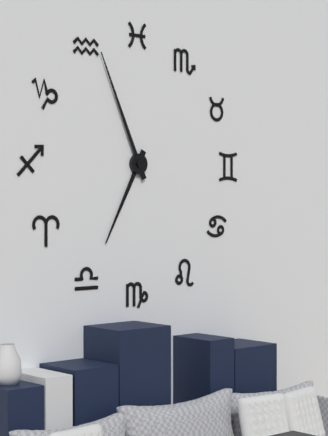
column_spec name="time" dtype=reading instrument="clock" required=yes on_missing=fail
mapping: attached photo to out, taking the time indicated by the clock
6:56
